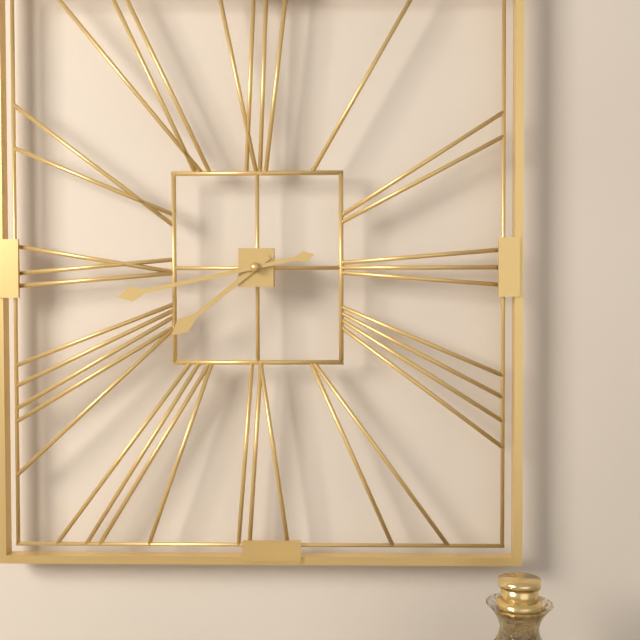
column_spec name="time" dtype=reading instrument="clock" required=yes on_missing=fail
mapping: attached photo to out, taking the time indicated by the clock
7:43
